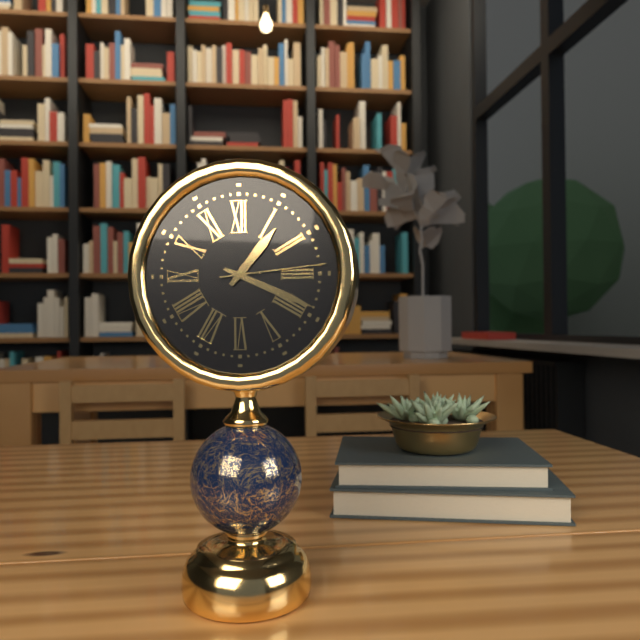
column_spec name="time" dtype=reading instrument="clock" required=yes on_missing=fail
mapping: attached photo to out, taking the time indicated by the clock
1:19:14
